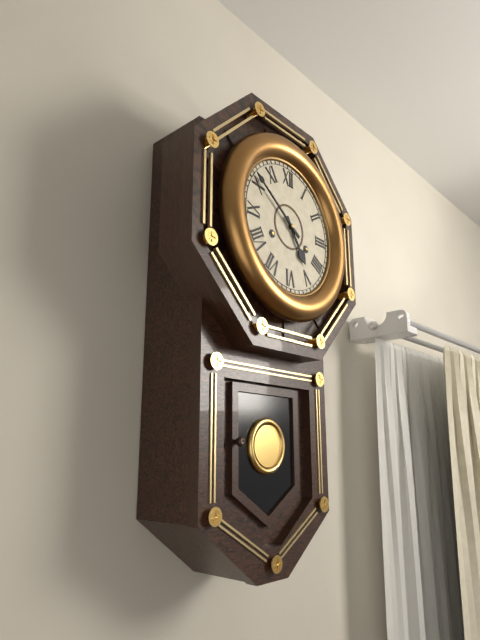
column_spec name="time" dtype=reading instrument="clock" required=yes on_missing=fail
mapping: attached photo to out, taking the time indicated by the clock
4:51
